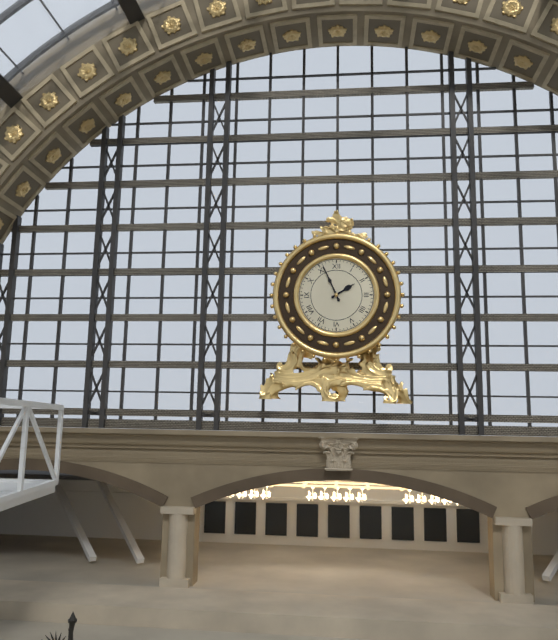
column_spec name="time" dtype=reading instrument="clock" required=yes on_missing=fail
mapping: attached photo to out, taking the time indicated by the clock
1:56
